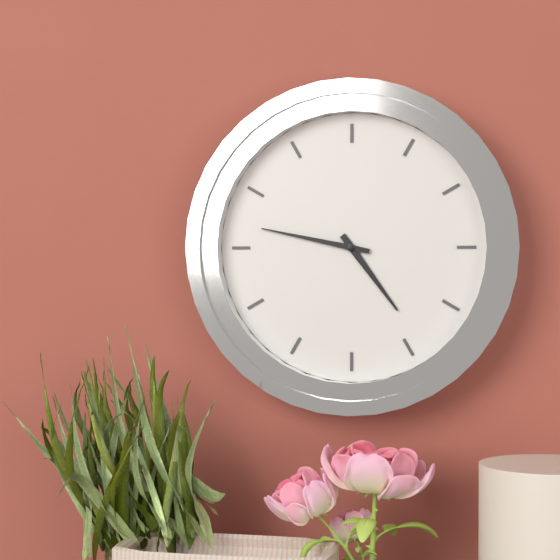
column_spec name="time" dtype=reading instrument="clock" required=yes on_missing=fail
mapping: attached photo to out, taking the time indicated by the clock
4:47
